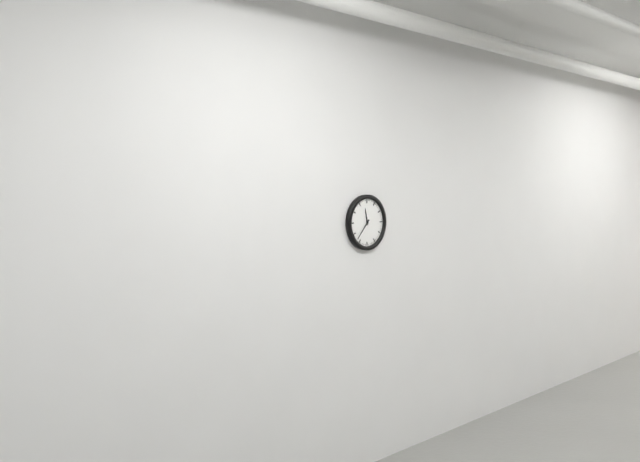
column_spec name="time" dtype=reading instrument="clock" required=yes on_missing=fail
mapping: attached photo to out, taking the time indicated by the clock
11:37
